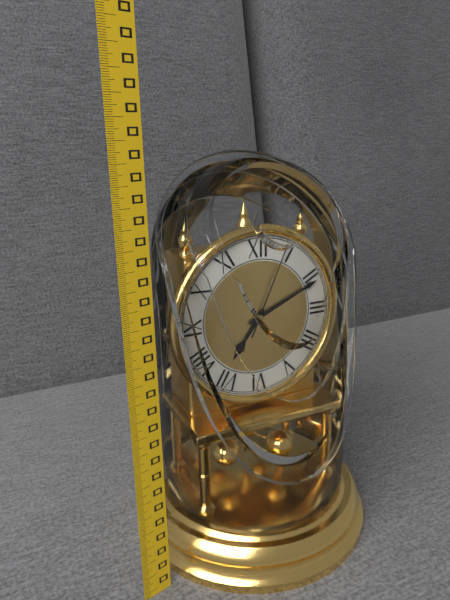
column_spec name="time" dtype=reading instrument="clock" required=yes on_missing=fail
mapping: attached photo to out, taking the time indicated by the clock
7:11:04
